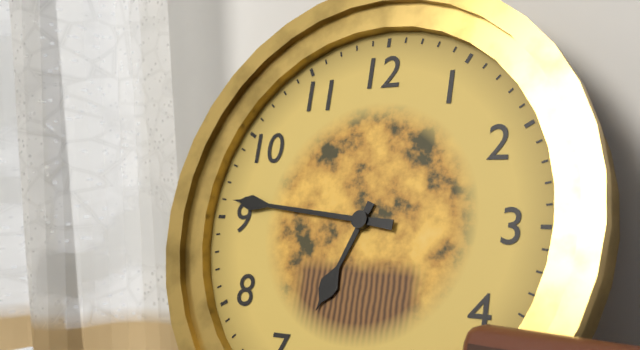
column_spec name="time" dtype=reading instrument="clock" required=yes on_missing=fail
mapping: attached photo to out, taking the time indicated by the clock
6:46
